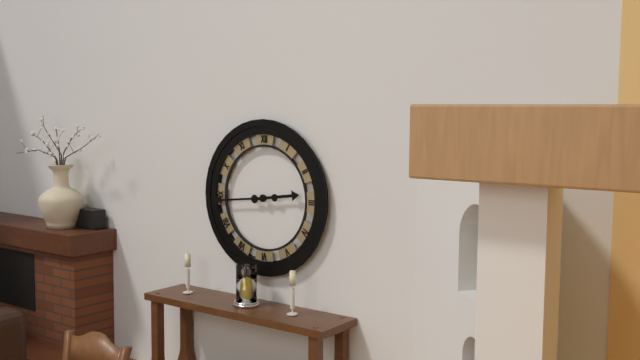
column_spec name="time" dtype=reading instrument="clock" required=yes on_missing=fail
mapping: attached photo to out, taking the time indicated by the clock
2:44
